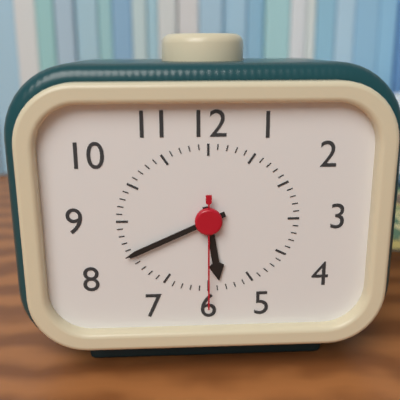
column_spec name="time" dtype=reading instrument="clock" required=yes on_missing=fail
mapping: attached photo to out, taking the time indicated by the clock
5:41:30
